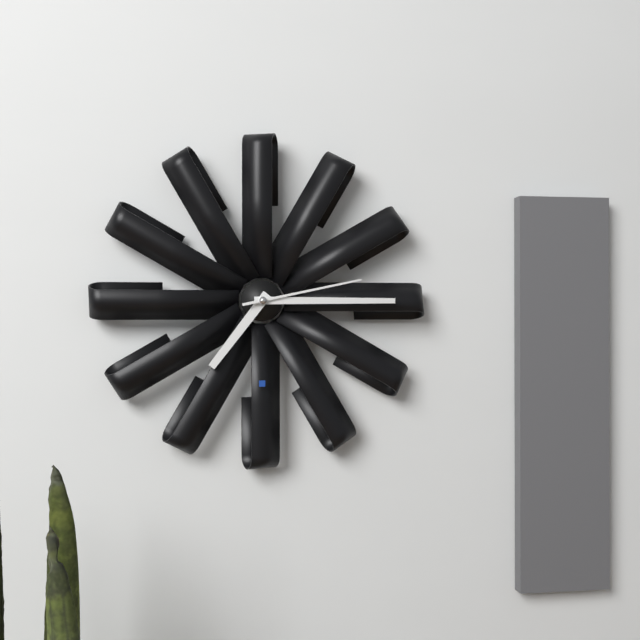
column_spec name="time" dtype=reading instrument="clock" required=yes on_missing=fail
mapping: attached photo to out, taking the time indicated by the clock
7:15:13
